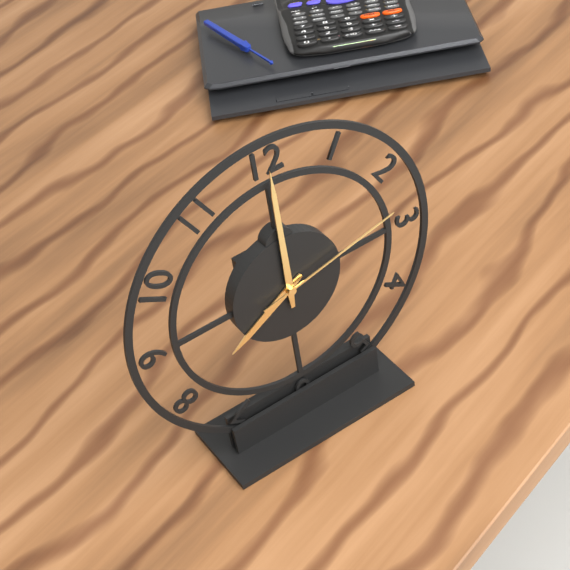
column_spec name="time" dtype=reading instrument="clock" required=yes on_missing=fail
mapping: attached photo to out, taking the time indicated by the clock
8:00:13
